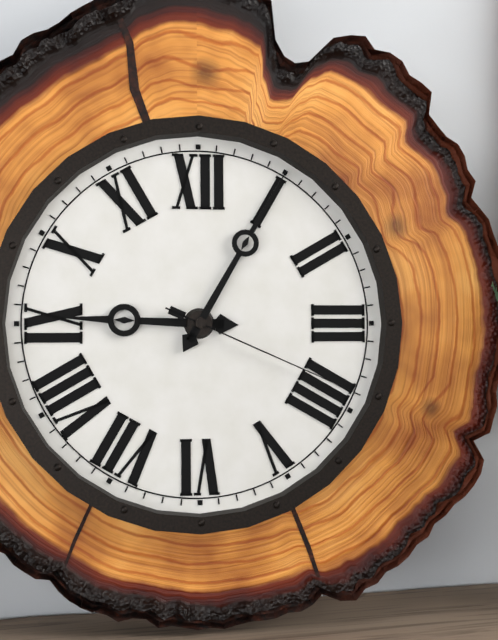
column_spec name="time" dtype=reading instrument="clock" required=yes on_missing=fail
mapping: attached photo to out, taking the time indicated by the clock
9:05:19
